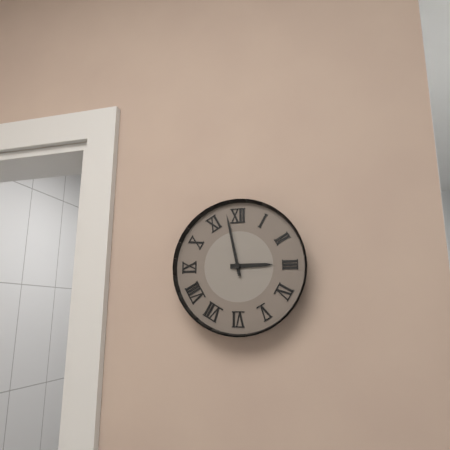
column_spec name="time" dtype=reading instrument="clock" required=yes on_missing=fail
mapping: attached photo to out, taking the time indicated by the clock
2:58
